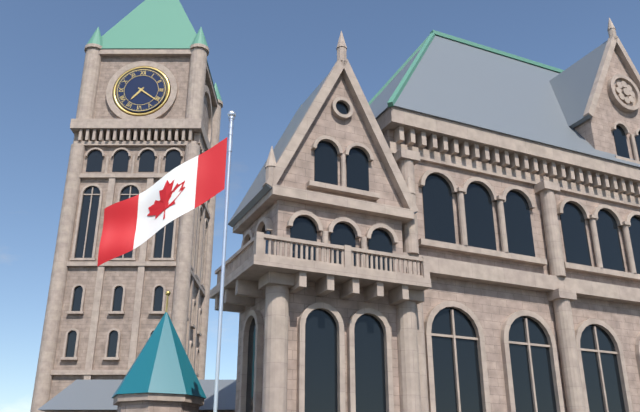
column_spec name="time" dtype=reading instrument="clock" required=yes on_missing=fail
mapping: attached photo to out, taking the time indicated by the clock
7:21
